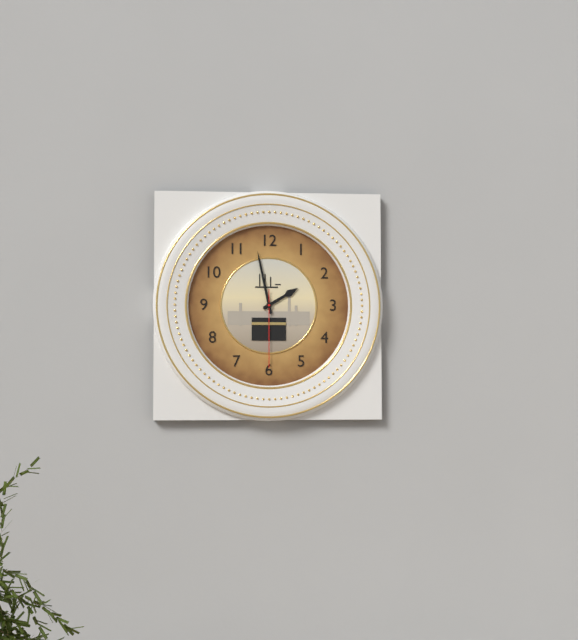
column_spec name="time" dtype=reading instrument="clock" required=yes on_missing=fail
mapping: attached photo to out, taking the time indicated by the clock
1:58:30
